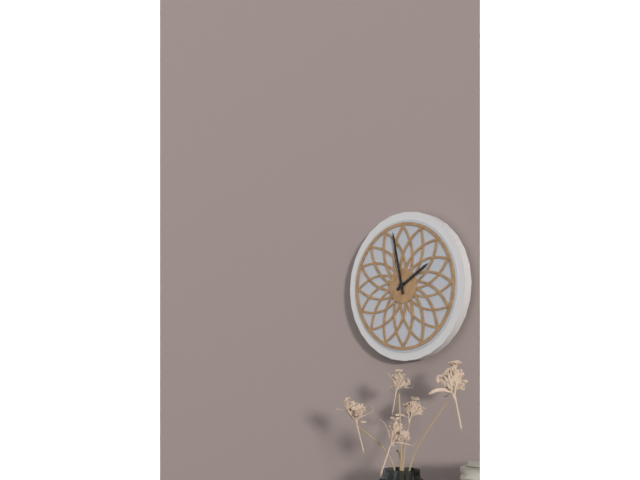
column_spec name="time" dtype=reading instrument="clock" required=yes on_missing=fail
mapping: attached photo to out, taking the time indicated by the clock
1:58
